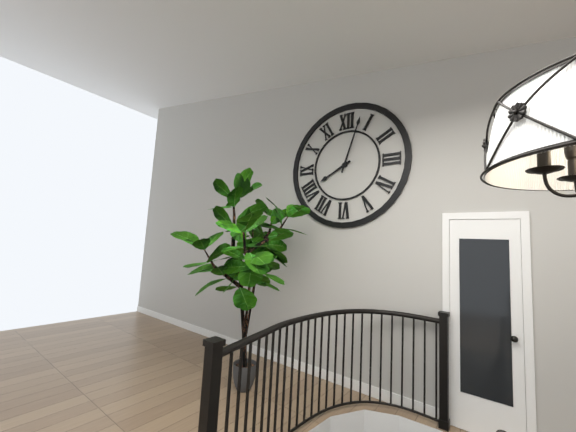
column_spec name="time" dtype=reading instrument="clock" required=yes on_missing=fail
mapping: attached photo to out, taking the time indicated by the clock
8:03
